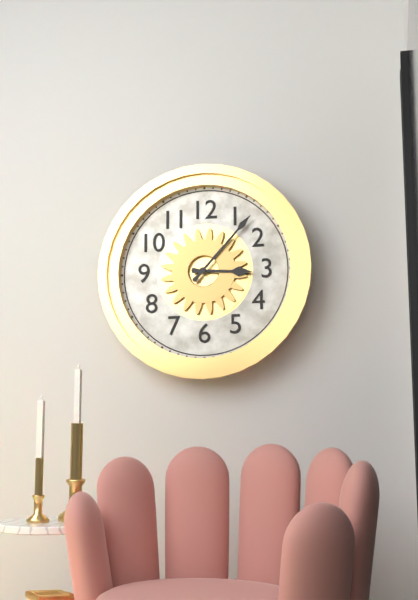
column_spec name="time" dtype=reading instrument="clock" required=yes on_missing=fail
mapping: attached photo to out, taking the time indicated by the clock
3:07
